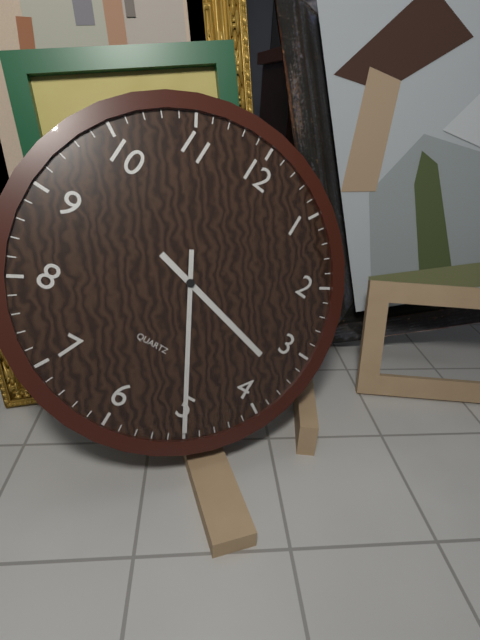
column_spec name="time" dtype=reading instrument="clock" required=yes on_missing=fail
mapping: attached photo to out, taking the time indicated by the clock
3:25
